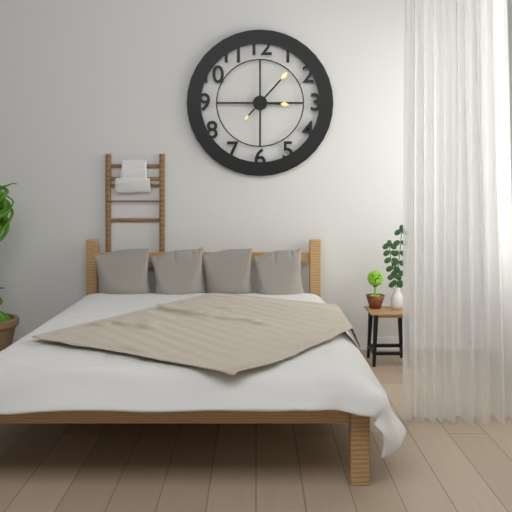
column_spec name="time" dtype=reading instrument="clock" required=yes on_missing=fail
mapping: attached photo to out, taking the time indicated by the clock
3:07
